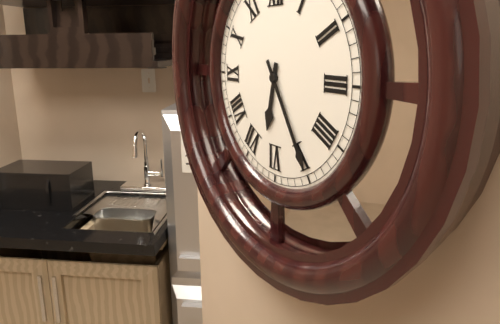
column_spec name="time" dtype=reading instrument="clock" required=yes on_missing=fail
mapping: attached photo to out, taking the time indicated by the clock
6:25
